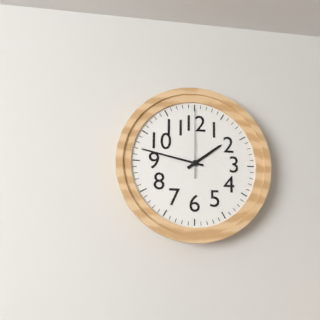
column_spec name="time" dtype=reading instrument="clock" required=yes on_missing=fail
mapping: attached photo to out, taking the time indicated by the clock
1:47:00
